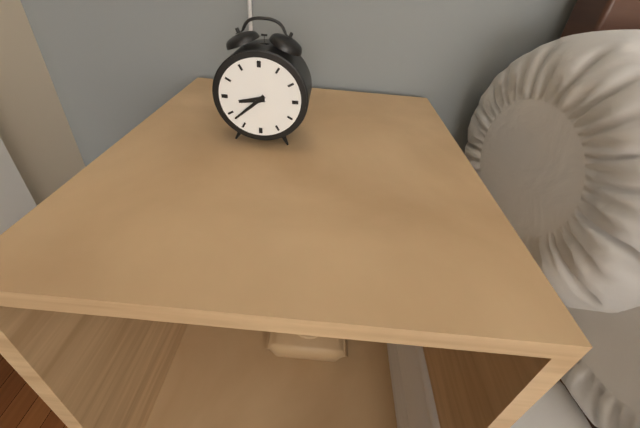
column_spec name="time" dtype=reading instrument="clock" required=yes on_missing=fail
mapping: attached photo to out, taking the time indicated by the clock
8:38
